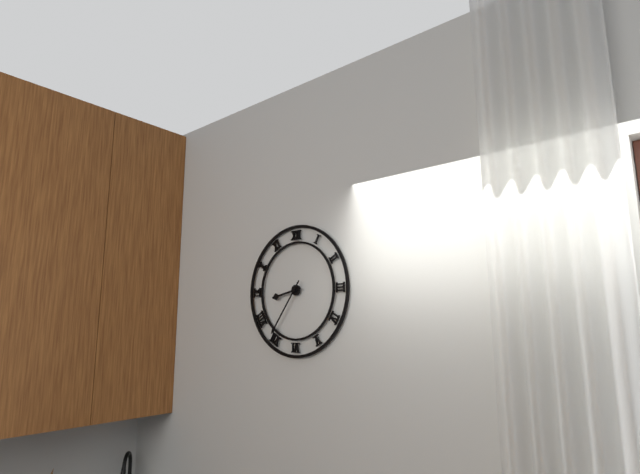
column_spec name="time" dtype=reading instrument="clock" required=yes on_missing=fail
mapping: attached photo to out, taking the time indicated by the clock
8:36
